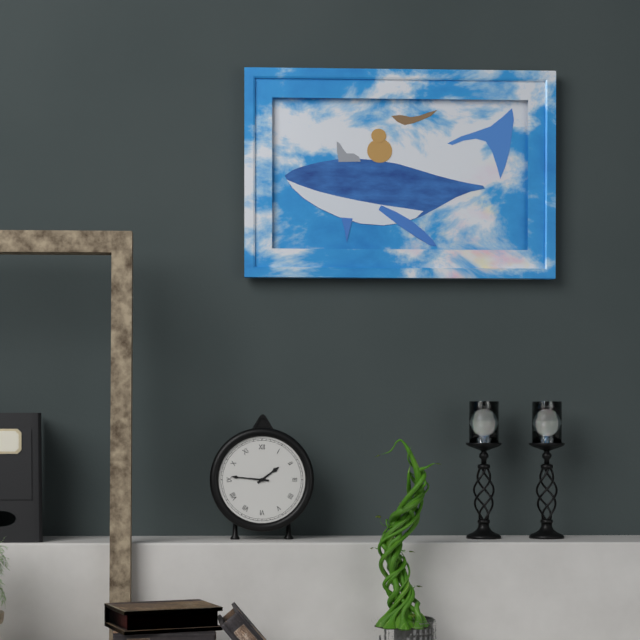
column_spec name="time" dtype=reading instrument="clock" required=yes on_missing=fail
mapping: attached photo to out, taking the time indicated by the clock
1:46
